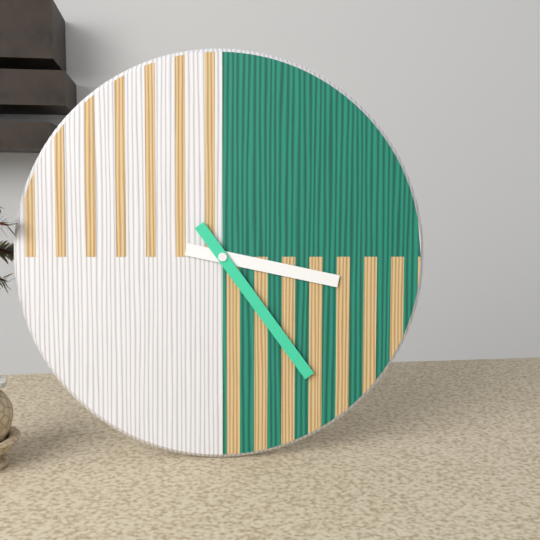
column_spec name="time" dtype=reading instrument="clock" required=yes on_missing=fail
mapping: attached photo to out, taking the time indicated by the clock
3:24
